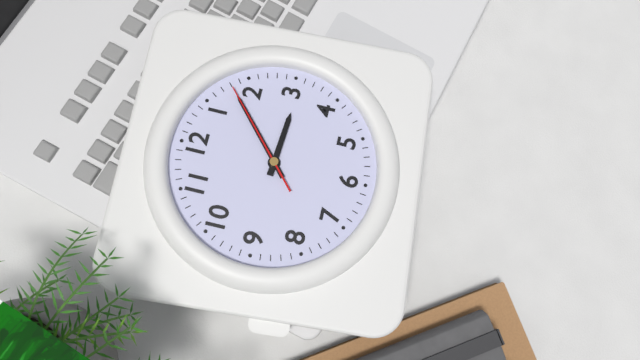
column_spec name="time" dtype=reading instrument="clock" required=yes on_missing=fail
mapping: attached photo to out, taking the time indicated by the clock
3:08:08
